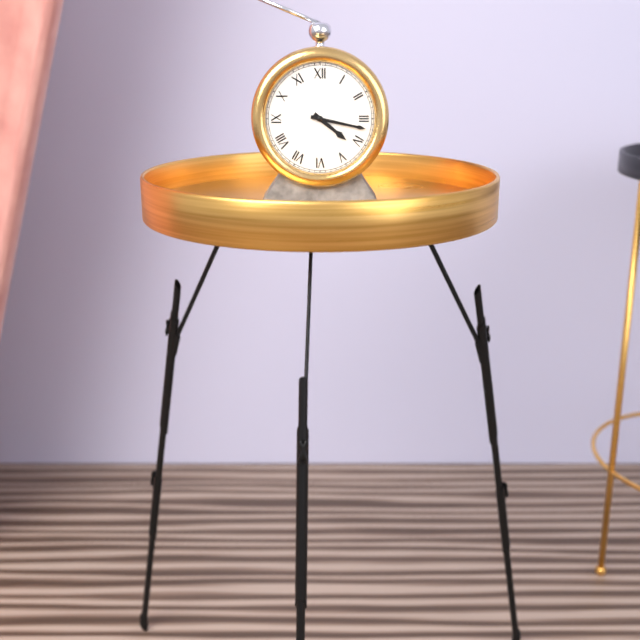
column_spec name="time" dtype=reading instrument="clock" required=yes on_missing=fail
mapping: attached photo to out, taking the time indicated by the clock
4:17
